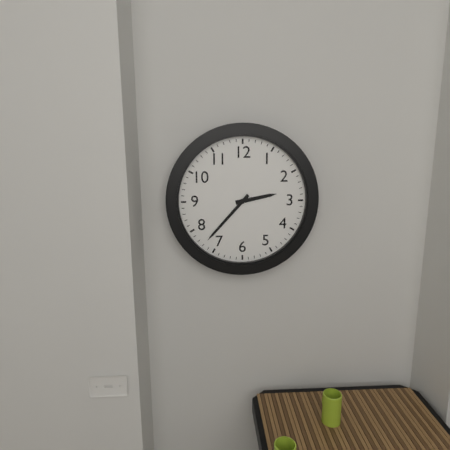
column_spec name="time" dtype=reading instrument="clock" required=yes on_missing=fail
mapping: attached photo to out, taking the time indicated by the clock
2:37
